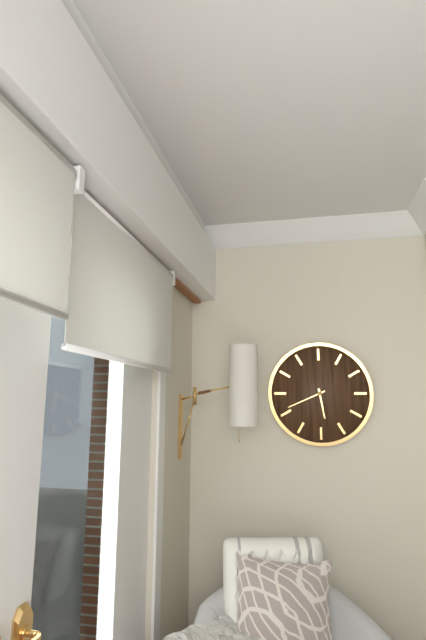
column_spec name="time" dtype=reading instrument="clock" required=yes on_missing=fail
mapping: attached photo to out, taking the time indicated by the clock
5:41
